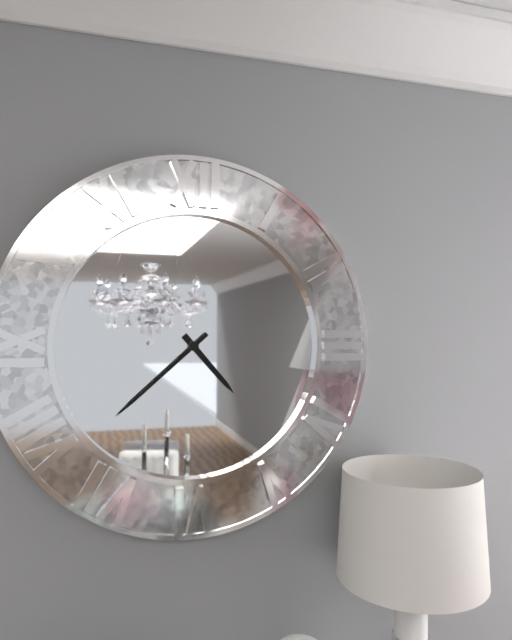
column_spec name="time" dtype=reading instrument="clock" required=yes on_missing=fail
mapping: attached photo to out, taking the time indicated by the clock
4:38
